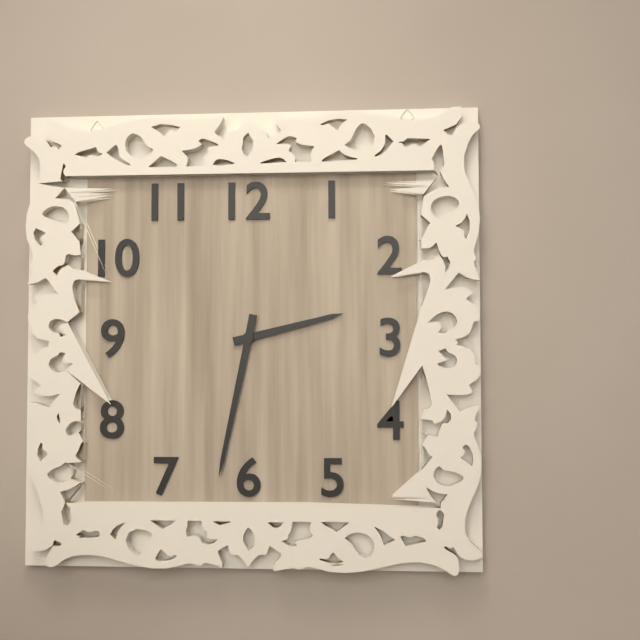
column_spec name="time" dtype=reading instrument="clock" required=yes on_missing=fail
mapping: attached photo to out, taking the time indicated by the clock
2:32
